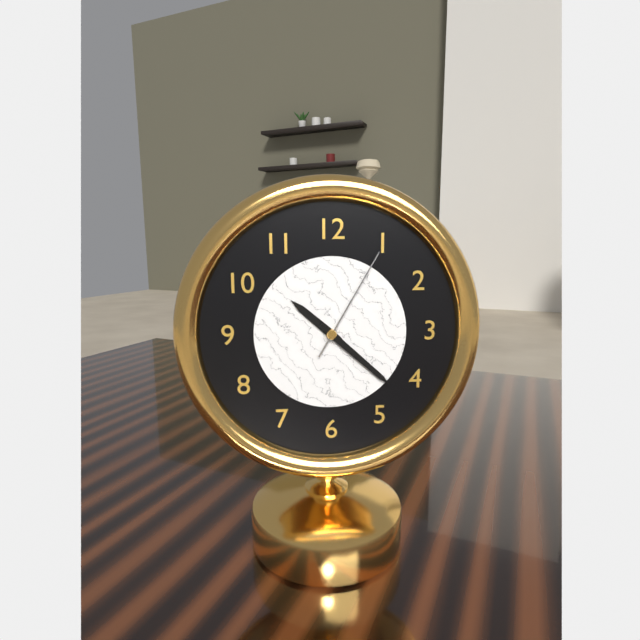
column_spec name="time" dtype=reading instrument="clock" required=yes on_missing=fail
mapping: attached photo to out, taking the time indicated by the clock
10:22:05
